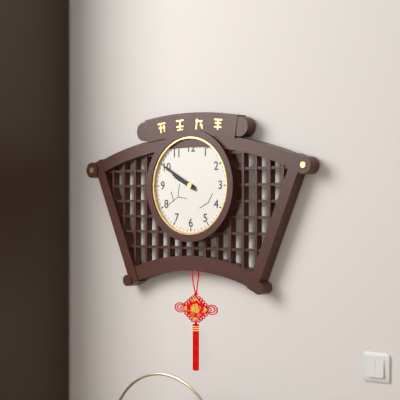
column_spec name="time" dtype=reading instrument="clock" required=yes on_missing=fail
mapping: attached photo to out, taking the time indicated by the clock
9:50
